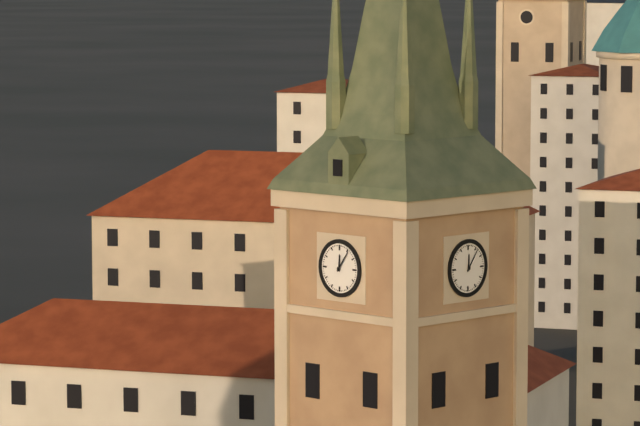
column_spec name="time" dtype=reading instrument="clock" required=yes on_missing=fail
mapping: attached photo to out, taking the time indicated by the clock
12:06
